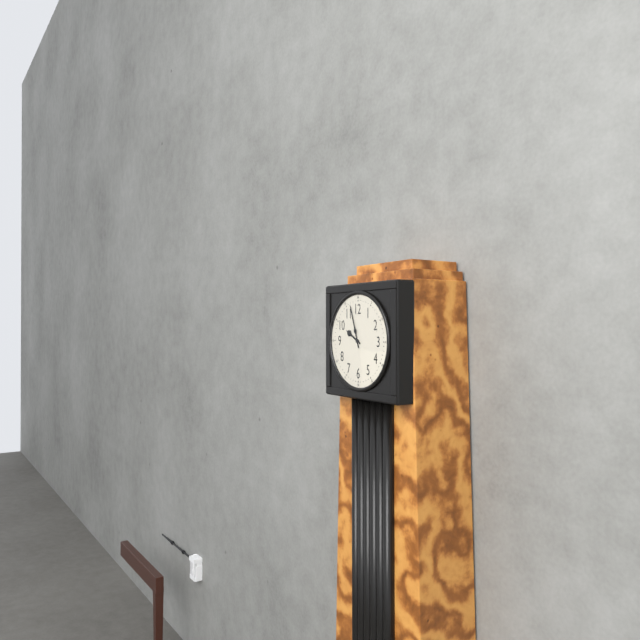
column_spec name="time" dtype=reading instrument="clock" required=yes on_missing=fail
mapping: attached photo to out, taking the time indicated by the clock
9:57
